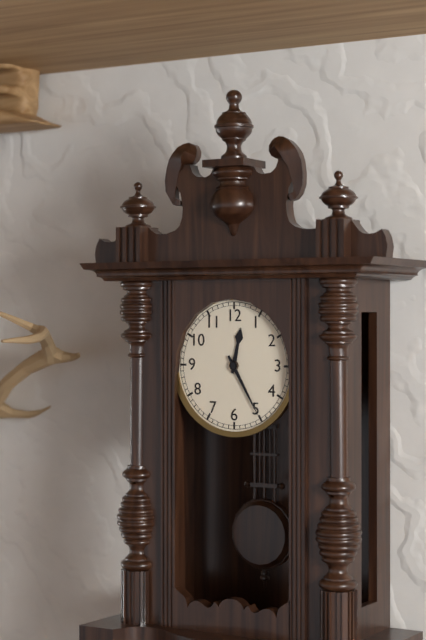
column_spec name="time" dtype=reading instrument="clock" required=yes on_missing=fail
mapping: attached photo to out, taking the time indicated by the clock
12:25
